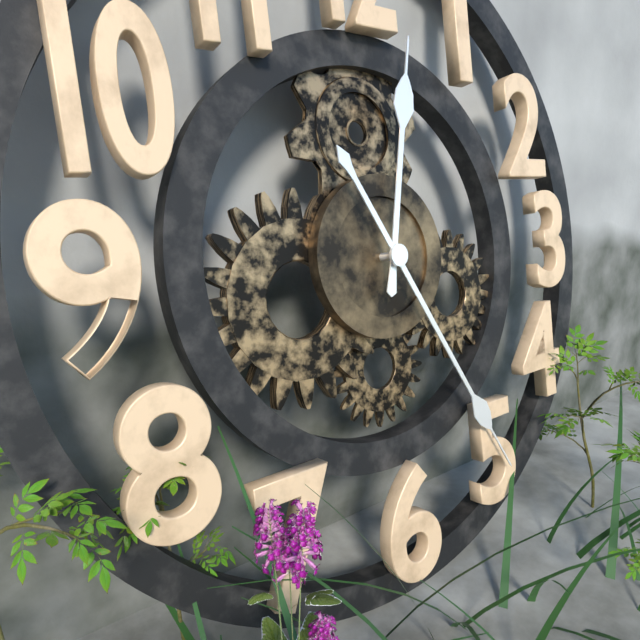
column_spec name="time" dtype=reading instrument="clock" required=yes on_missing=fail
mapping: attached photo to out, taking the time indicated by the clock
12:25
